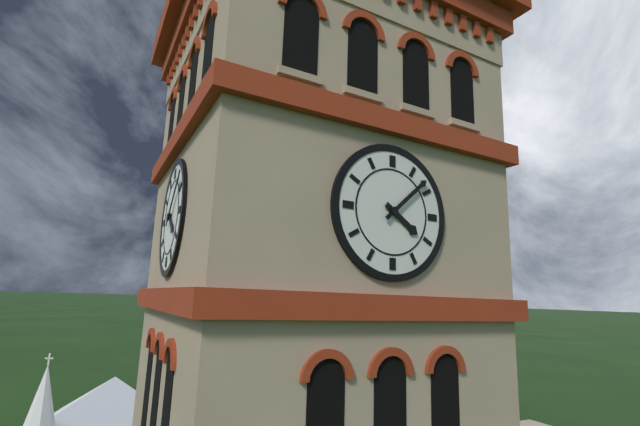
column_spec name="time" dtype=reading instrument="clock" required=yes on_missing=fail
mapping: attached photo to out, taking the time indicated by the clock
4:08
